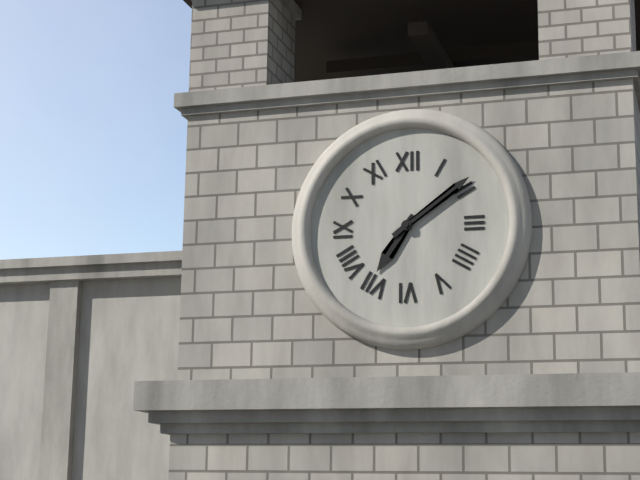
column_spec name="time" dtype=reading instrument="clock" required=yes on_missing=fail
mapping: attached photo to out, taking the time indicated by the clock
7:09
